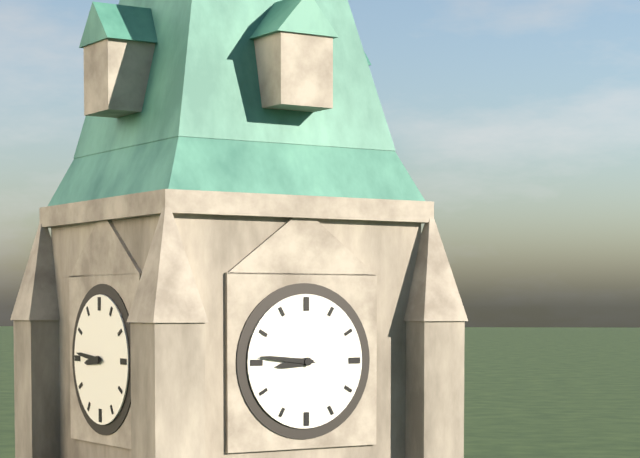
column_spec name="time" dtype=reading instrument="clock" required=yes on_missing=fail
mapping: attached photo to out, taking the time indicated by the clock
8:46
